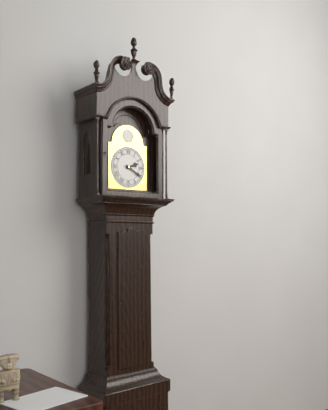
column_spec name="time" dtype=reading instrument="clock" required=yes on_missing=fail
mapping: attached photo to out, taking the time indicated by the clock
2:20
